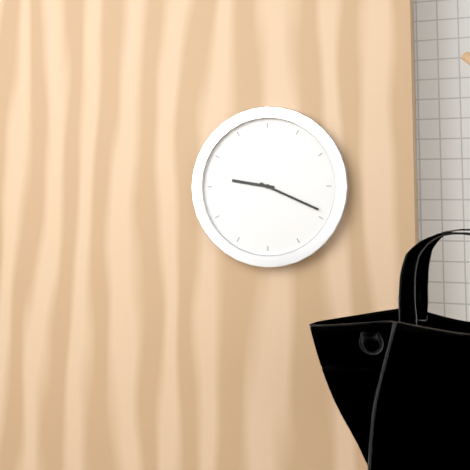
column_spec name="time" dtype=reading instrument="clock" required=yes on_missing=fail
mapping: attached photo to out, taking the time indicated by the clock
9:19
